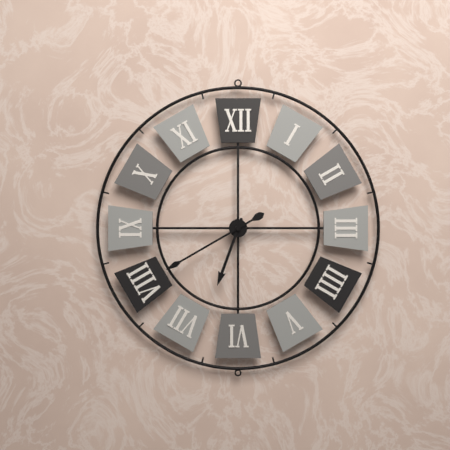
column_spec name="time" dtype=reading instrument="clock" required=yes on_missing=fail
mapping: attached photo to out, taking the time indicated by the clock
6:40
